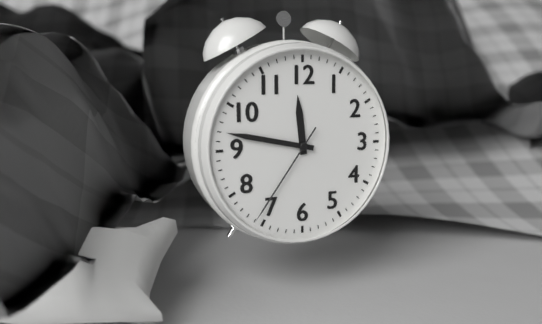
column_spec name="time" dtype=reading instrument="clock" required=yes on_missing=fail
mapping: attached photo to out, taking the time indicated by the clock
11:47:36
